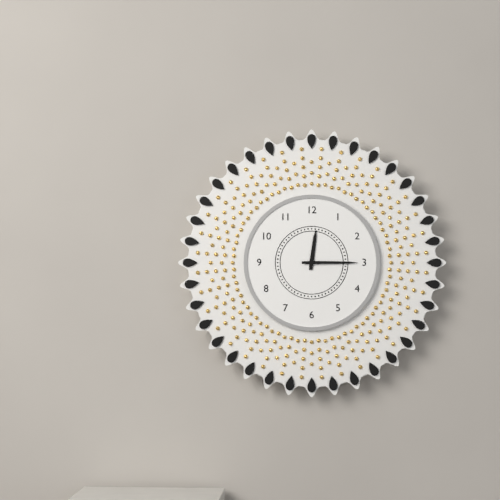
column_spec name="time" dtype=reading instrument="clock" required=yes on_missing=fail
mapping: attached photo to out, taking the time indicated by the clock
12:15
